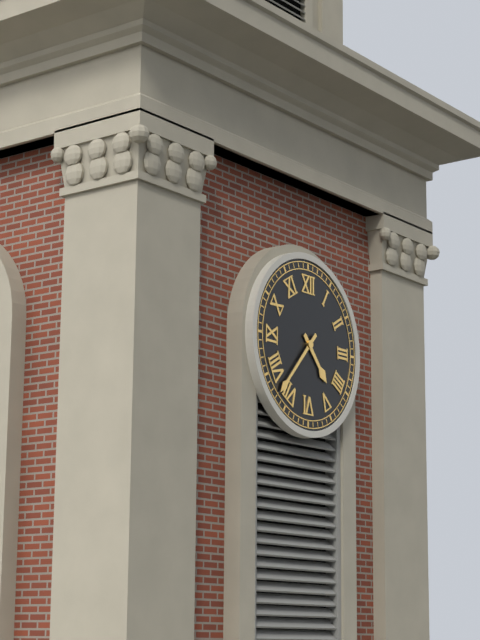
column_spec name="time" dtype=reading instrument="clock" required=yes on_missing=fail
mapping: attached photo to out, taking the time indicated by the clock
4:37
